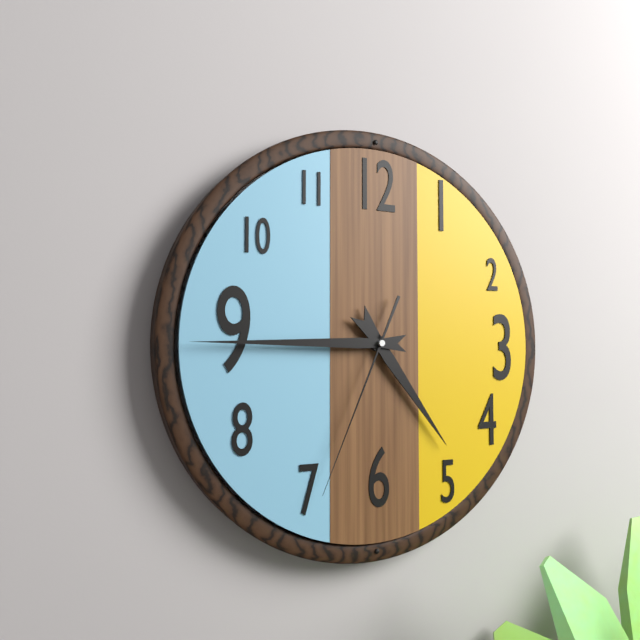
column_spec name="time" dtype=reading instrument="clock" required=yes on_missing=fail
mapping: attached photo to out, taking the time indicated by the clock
4:45:34
